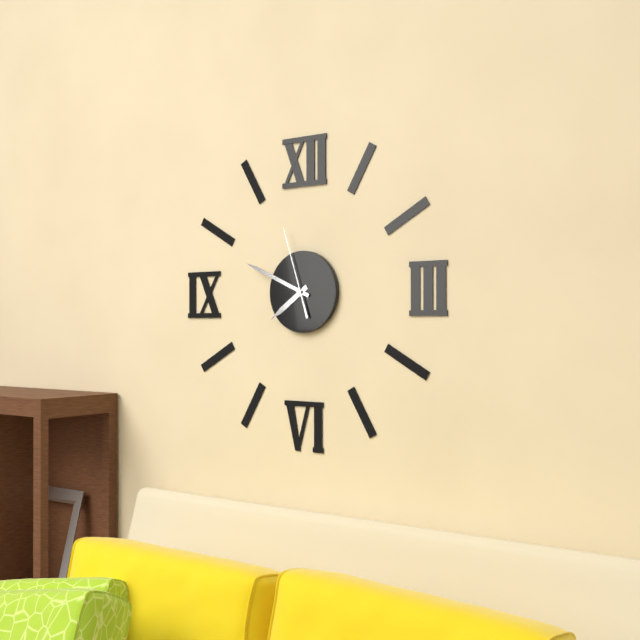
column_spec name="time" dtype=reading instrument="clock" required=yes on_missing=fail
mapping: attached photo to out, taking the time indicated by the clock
7:49:57
